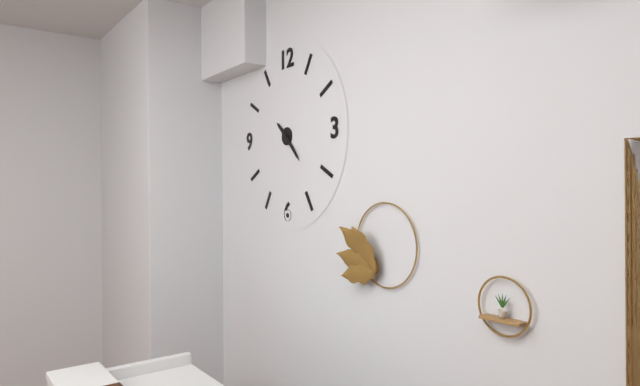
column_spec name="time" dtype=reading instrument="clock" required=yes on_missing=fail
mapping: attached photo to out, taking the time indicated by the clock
10:23
